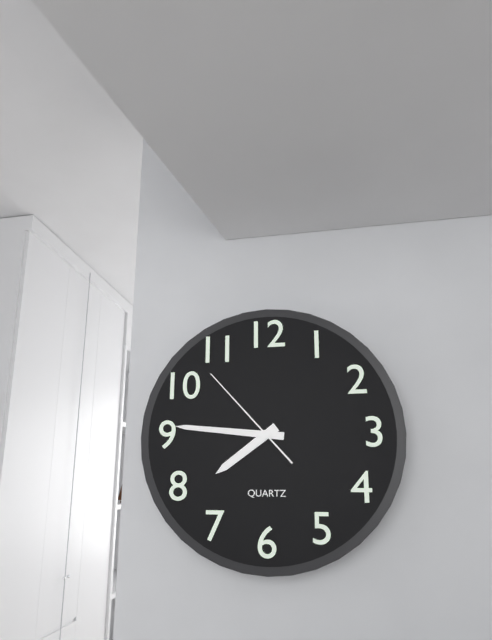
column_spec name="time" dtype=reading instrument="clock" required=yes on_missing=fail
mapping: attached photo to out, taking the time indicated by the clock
7:46:53
